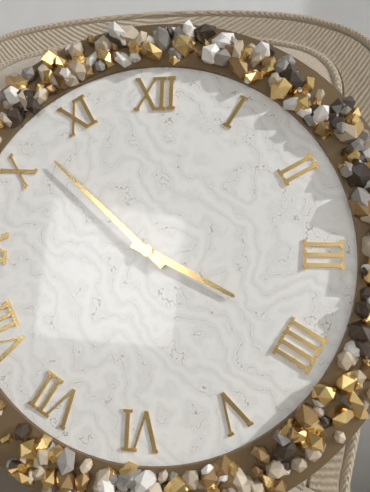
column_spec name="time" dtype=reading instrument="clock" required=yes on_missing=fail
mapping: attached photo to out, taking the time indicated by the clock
3:52
